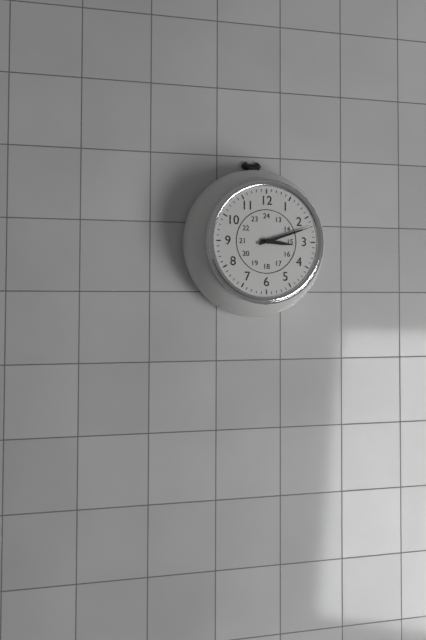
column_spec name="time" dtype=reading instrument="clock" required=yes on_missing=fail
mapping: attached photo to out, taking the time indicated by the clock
3:12
